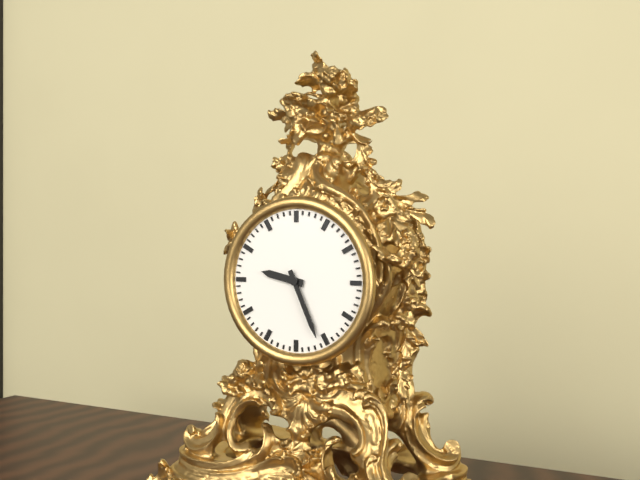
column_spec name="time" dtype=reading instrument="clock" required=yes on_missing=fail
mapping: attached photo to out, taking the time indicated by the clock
9:26
